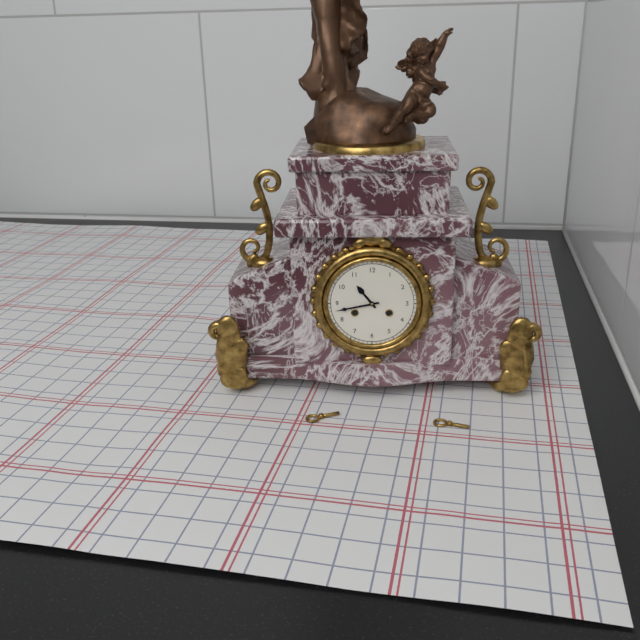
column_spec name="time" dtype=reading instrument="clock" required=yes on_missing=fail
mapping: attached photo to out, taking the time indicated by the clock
10:43
